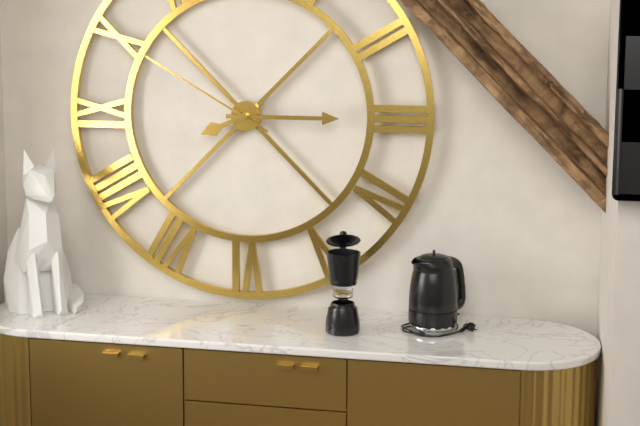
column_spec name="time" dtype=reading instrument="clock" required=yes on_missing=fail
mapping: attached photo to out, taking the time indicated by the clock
8:15:50
